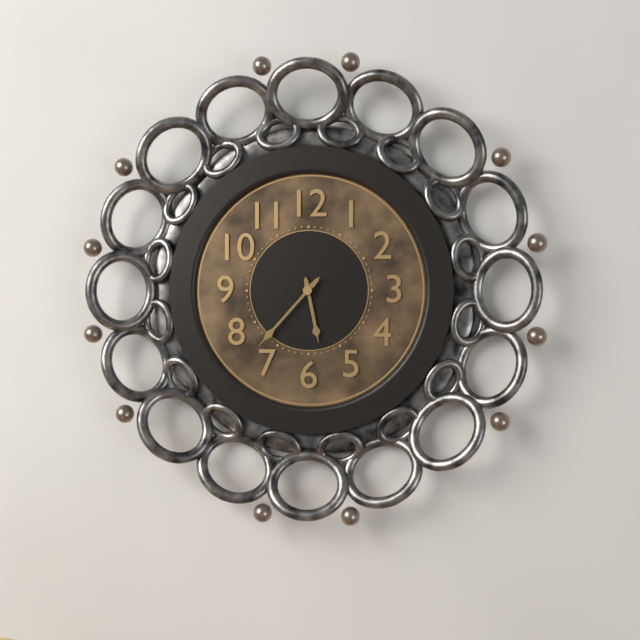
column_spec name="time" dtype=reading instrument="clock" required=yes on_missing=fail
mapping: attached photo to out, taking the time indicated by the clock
5:37
